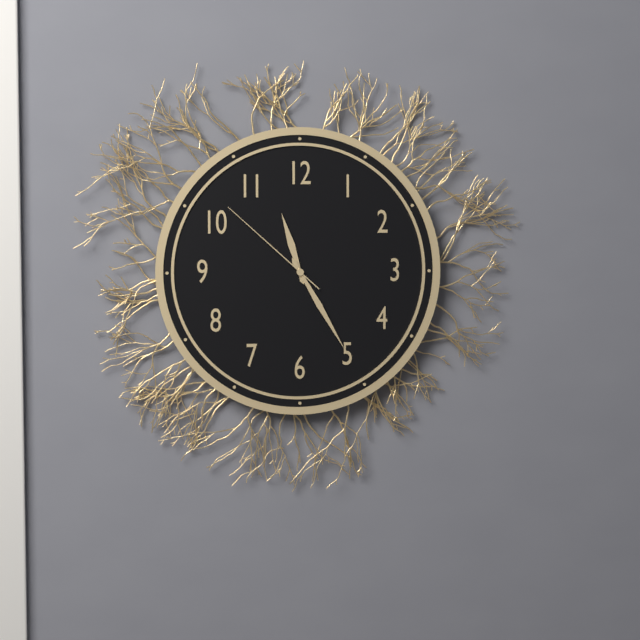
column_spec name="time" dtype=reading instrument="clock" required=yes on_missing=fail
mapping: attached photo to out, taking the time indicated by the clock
11:25:52
